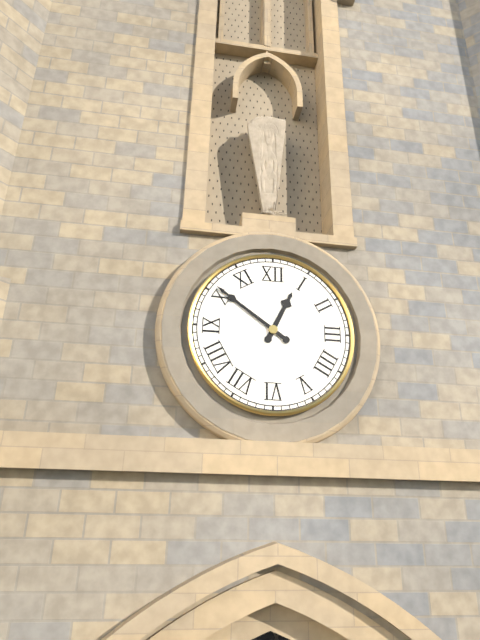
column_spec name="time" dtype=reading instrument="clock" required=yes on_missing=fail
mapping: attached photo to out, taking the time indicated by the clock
12:51
